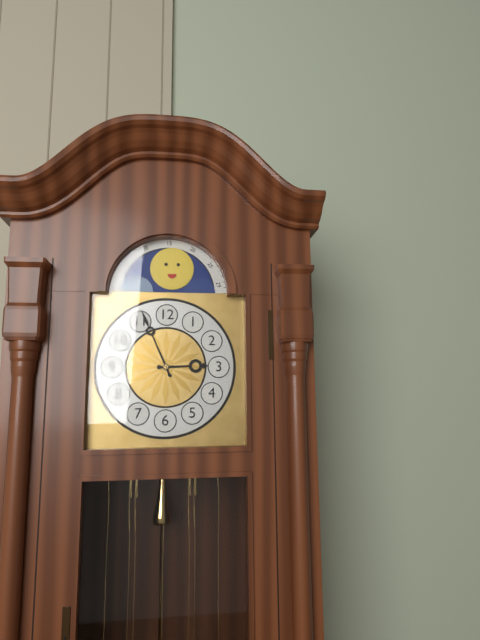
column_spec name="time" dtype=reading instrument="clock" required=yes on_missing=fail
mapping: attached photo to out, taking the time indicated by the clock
2:56
